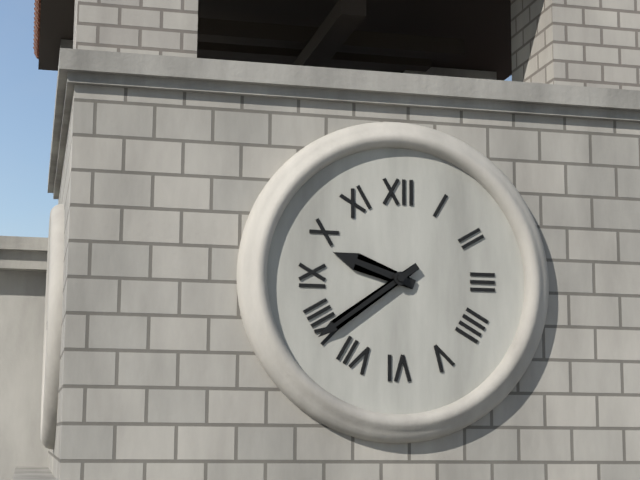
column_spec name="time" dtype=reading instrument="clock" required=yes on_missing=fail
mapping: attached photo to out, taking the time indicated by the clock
9:39
